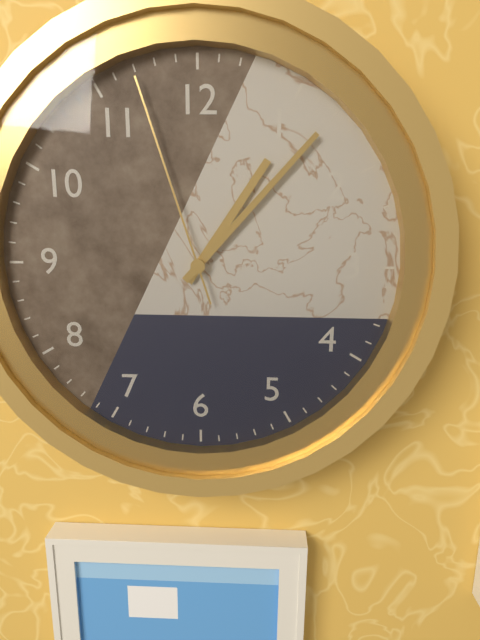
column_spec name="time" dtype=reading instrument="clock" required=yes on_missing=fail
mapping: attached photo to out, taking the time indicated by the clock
1:07:57
